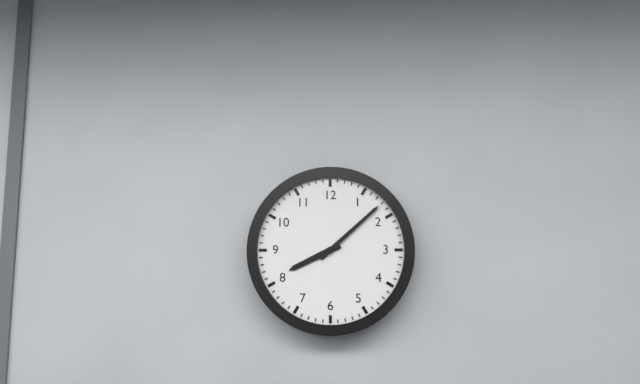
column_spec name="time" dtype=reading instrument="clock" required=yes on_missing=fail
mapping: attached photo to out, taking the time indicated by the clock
8:08
